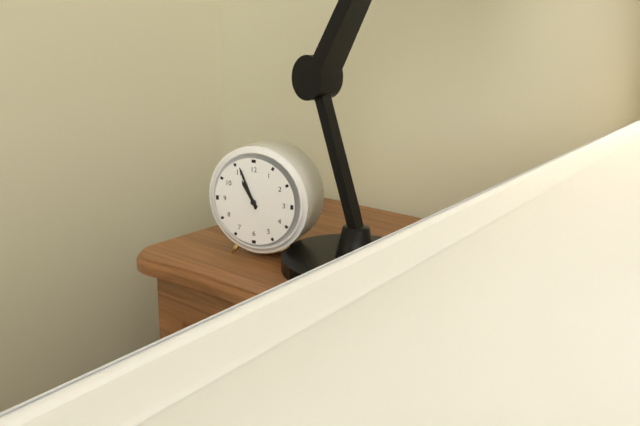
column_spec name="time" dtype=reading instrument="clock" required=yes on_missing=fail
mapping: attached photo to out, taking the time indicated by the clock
10:56
